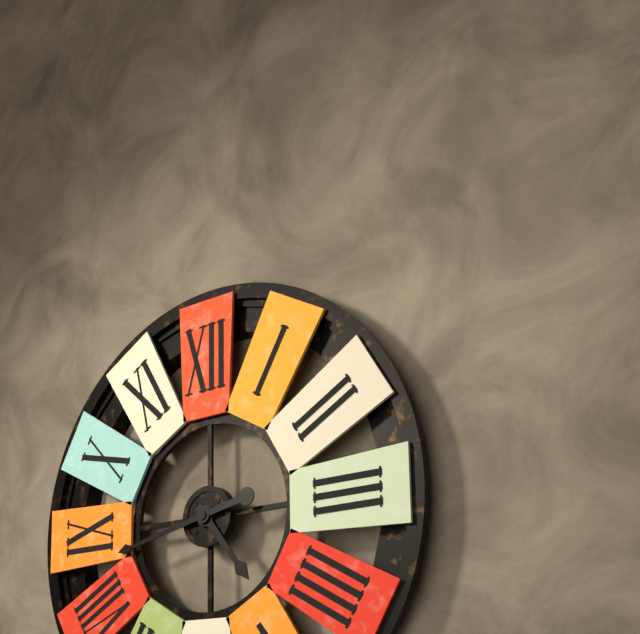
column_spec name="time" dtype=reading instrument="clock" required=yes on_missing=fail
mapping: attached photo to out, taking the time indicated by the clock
4:43
